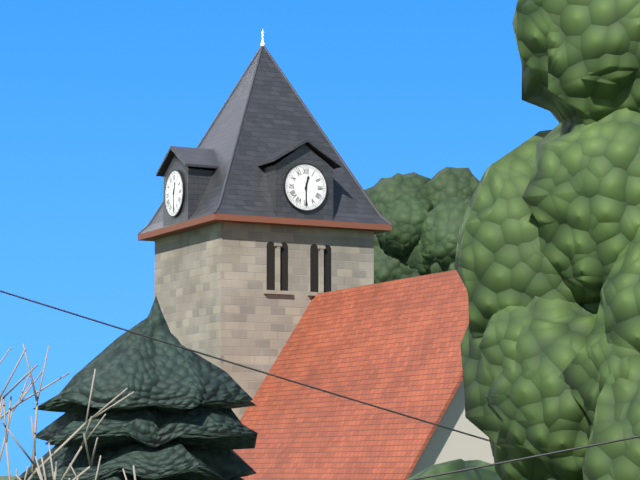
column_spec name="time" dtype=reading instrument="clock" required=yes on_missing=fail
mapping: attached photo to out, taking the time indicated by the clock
12:30
